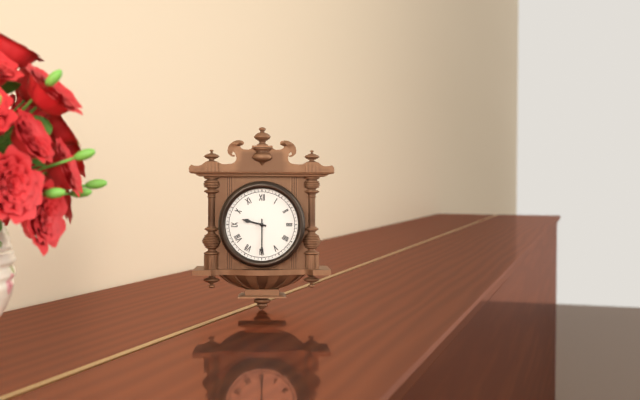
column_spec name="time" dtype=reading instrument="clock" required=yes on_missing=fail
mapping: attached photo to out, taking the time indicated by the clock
9:30
